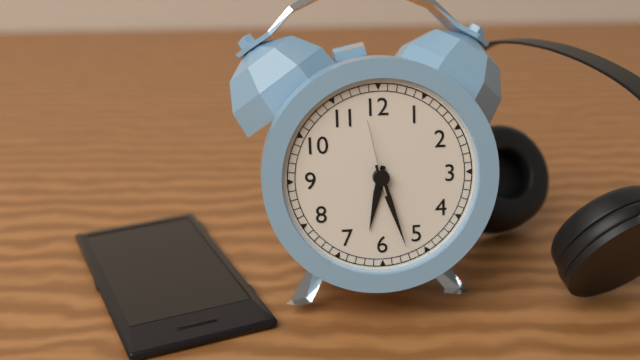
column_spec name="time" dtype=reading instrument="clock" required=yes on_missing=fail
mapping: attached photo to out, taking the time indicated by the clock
6:27:58
